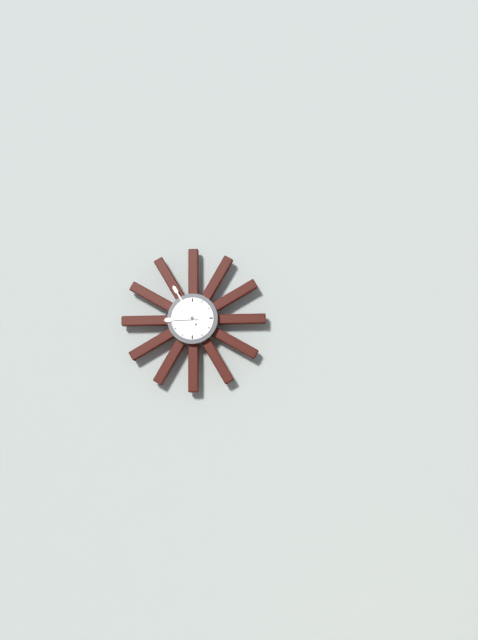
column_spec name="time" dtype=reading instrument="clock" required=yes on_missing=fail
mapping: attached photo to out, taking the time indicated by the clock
8:55
